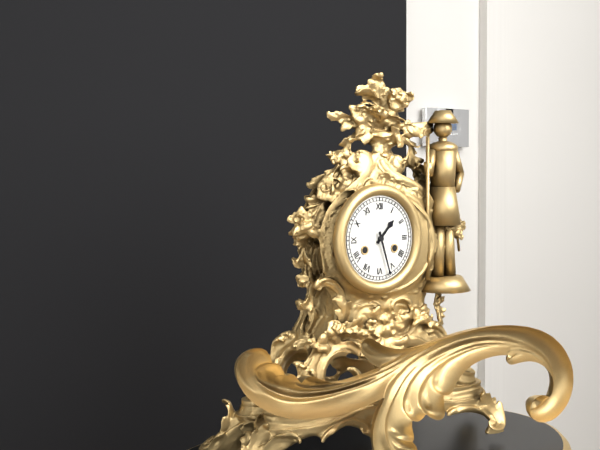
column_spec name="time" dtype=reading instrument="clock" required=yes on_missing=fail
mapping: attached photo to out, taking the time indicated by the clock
1:27
